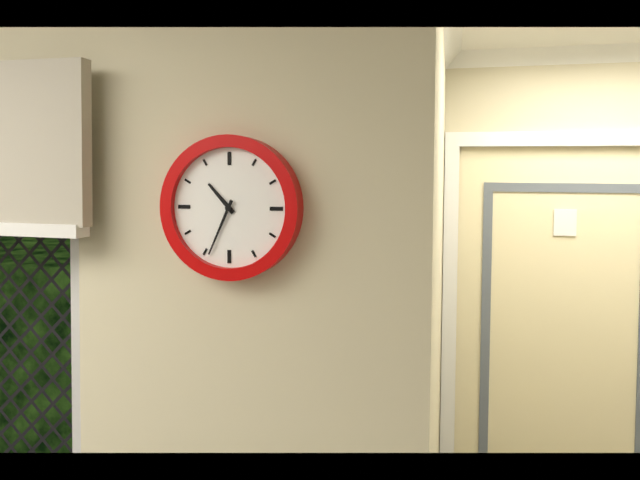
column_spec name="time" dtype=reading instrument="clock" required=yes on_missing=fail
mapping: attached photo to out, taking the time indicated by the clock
10:34
